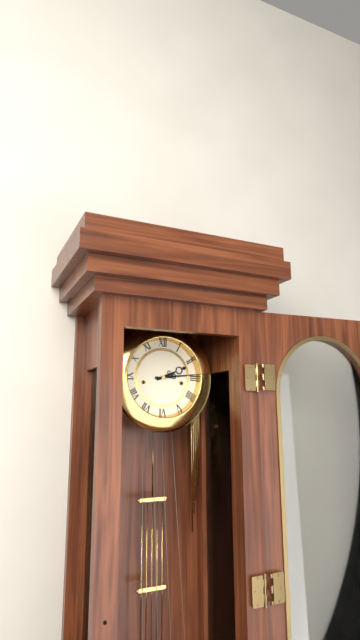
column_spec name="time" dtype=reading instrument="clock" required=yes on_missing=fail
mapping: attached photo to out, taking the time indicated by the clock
2:14
